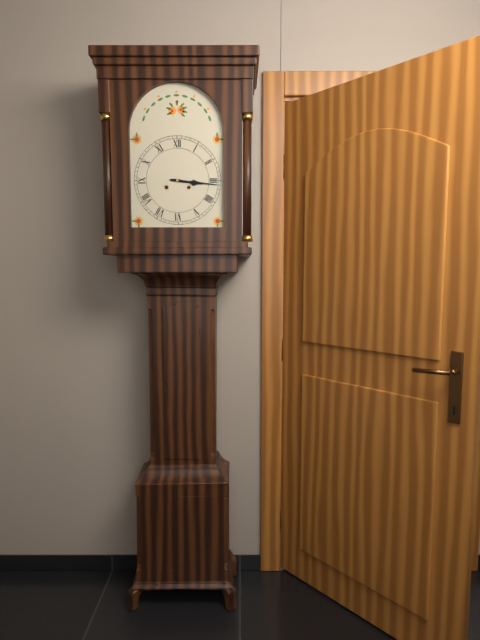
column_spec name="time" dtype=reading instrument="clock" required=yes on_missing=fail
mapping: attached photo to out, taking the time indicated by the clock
3:16
